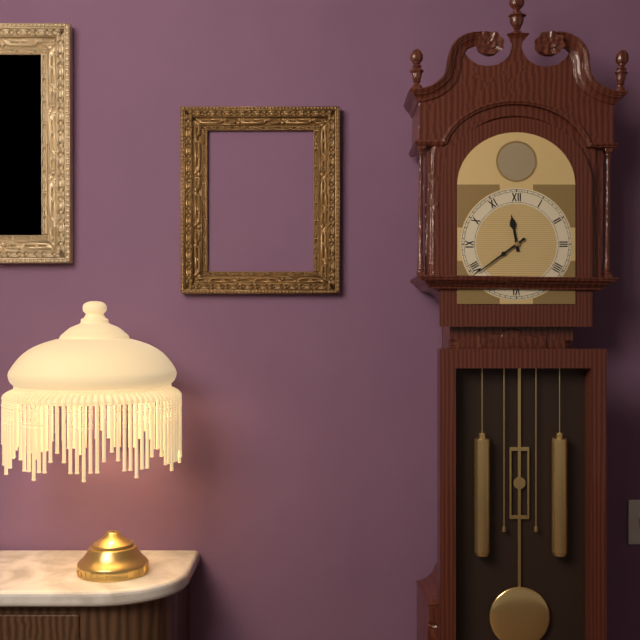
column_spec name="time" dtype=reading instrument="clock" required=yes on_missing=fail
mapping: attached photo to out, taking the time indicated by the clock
11:39
